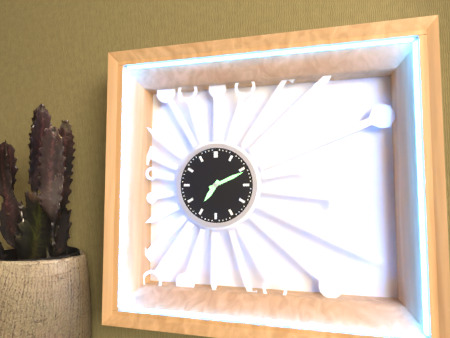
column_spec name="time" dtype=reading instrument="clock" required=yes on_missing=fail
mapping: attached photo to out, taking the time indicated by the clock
7:11
